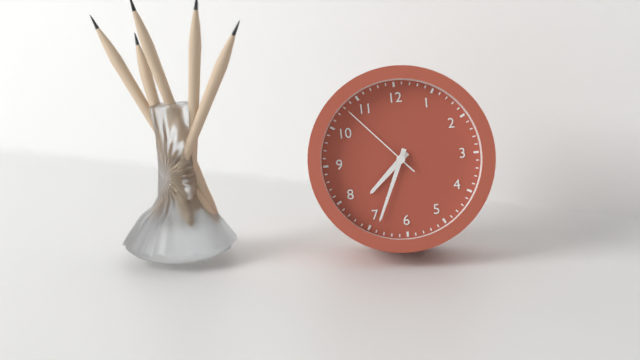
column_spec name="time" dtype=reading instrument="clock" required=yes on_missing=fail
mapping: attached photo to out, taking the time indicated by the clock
7:34:53
